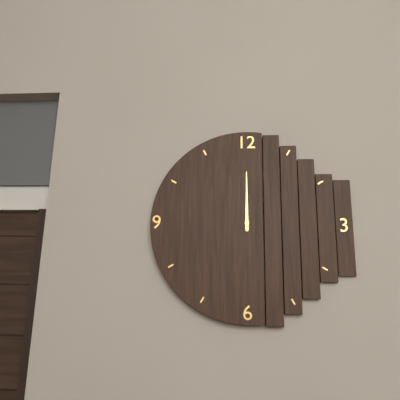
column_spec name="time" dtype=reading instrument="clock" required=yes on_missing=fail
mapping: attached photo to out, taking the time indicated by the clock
12:00
